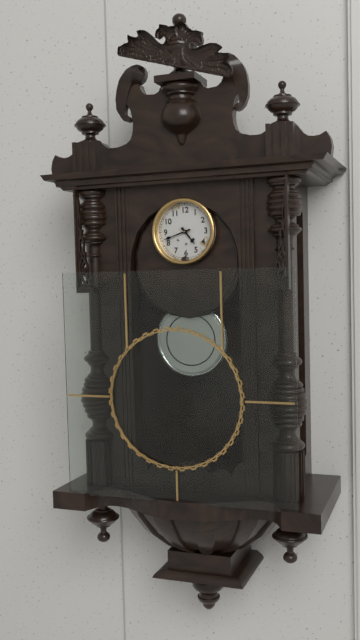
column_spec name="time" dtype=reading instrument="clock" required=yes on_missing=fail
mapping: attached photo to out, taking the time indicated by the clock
4:42
